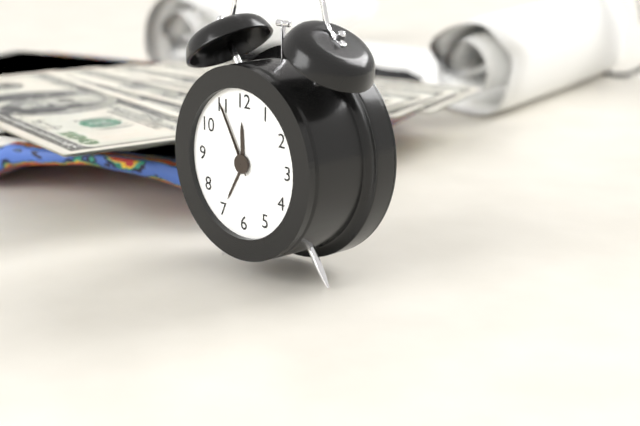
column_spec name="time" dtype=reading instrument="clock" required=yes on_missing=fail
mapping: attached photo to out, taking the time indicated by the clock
11:55:55
